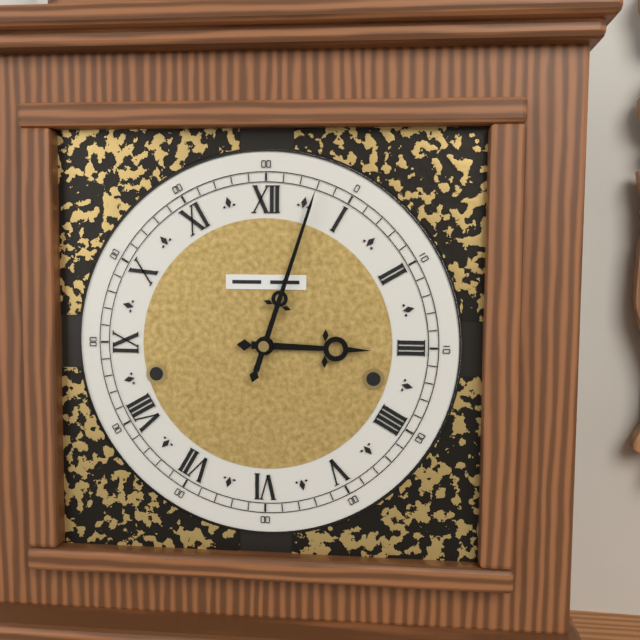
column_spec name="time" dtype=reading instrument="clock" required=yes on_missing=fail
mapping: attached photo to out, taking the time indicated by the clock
3:03
